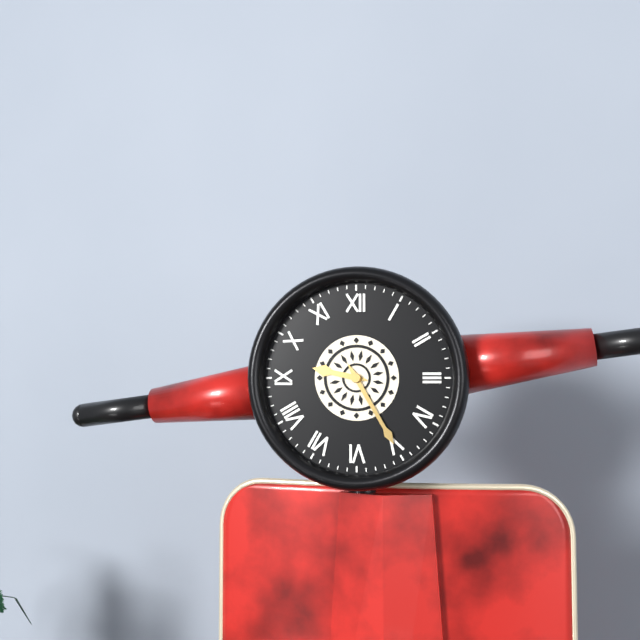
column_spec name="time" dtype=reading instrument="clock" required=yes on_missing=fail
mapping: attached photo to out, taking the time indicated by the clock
9:25
